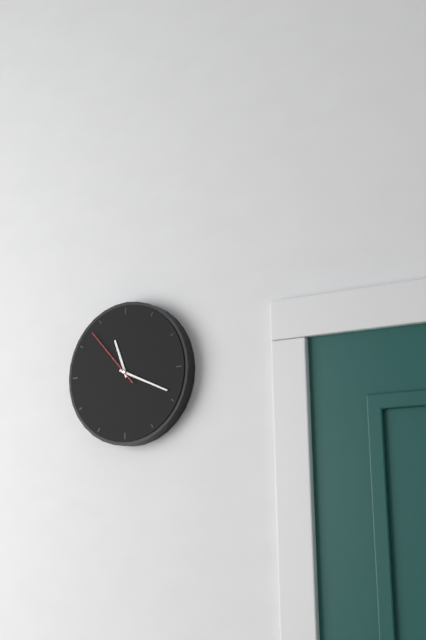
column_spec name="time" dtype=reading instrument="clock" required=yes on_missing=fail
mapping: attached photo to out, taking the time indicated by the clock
11:19:53
